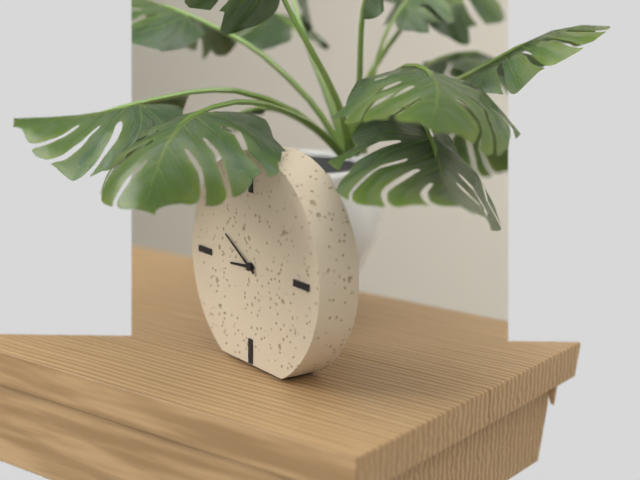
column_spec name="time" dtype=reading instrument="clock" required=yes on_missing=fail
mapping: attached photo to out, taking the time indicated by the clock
8:50
